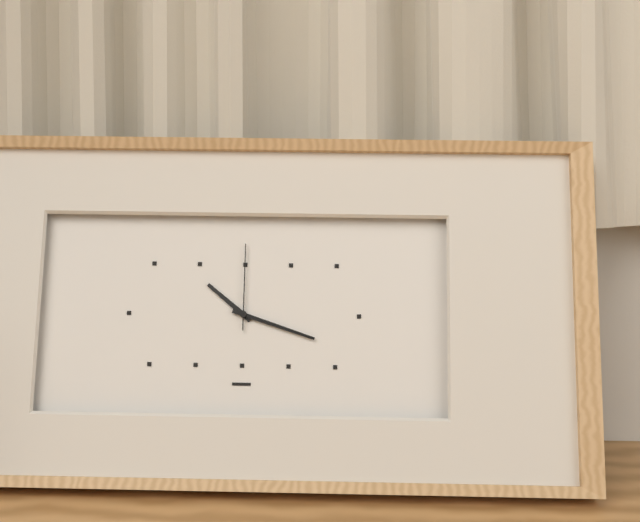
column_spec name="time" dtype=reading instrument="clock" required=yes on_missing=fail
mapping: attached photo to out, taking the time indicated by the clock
10:18:00
